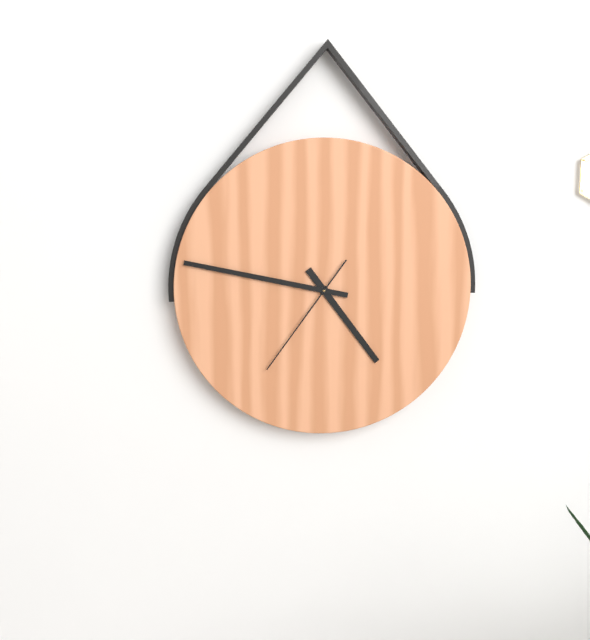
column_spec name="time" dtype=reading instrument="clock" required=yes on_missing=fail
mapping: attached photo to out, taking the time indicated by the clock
4:47:36
